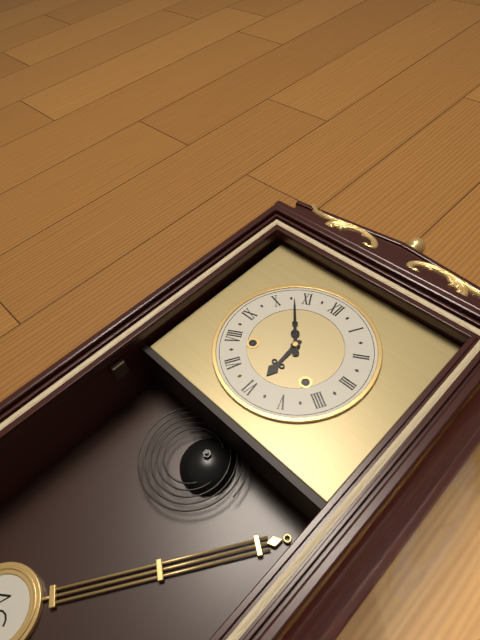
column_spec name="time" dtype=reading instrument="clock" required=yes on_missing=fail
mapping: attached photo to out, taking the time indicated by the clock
5:53
